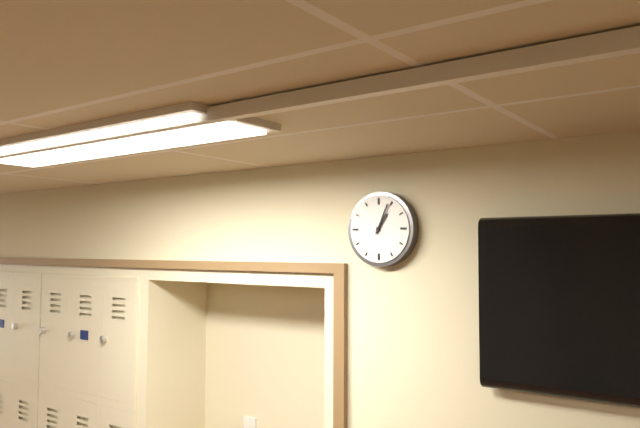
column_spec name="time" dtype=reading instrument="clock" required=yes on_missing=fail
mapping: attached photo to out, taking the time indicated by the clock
1:04
